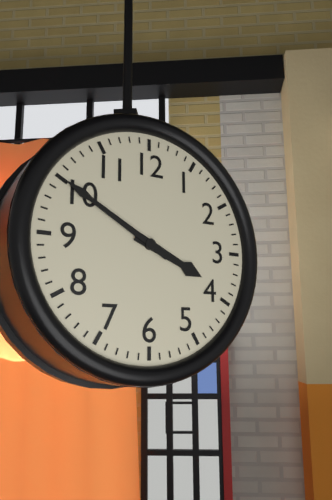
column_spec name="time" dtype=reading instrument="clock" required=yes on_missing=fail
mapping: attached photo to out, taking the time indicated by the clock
3:50
